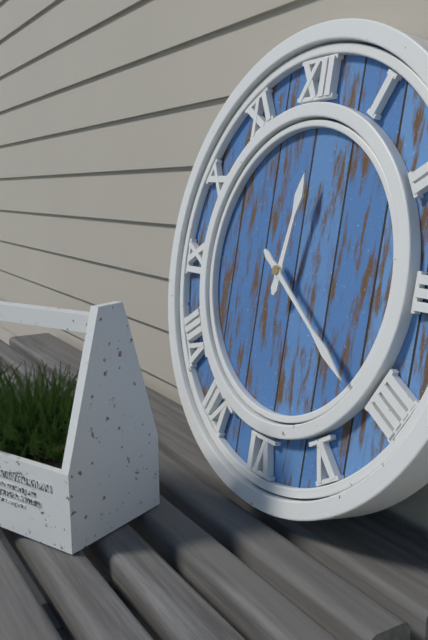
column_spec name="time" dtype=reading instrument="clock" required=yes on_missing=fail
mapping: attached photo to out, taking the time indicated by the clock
12:21
